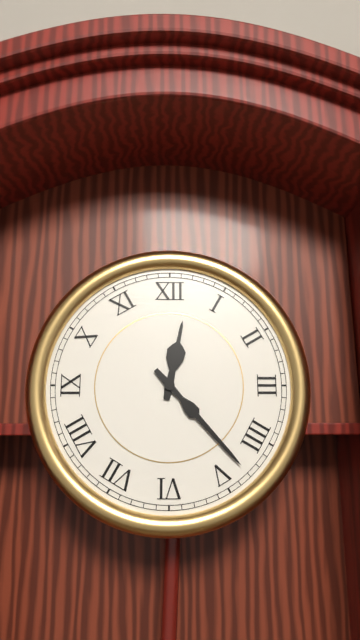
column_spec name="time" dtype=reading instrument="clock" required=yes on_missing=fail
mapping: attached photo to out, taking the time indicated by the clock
12:23
